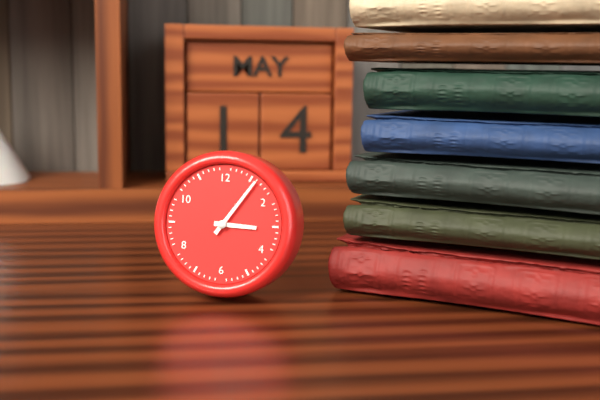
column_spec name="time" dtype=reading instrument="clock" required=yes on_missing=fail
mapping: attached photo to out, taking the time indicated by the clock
3:06
